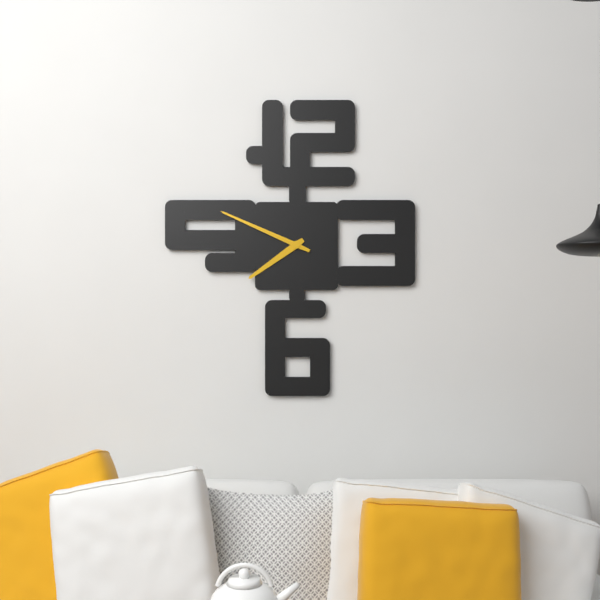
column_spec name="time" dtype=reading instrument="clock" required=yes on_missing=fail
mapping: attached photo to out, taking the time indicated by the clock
7:49
